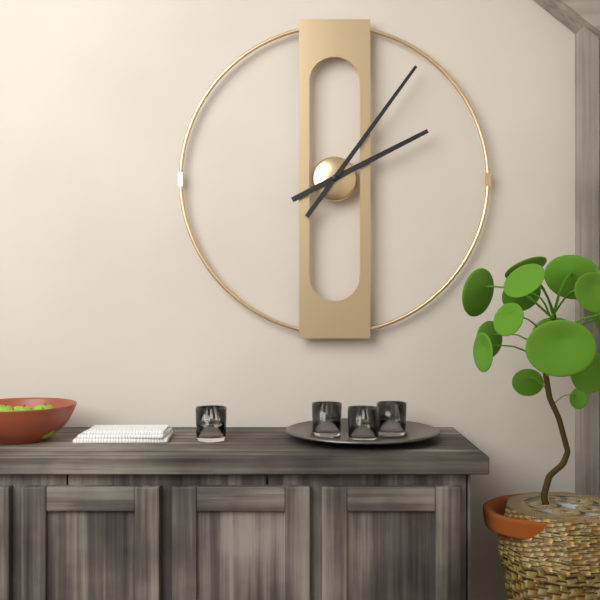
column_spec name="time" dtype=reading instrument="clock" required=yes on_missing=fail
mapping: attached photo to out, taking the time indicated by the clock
2:06
